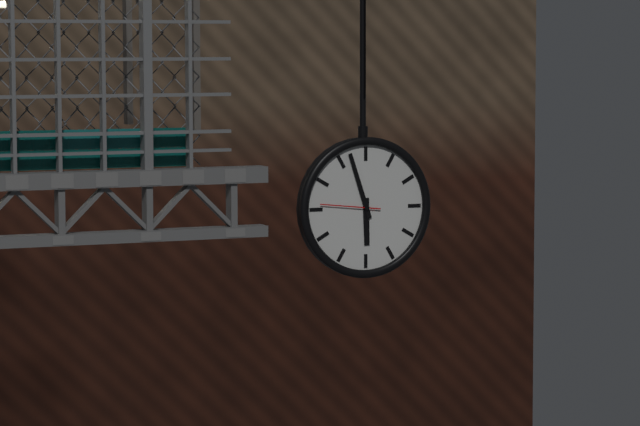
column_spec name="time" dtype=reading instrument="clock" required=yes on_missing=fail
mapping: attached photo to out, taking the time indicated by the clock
5:57:46
